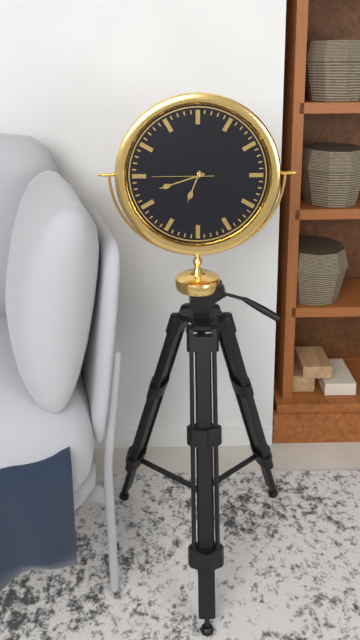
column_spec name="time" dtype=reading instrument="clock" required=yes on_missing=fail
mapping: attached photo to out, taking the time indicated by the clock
6:42:45
